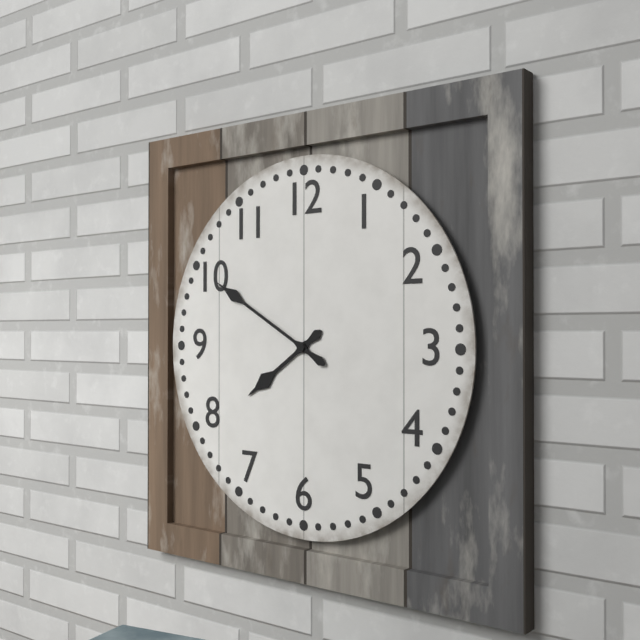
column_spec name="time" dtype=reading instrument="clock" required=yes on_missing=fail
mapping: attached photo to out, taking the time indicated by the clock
7:50
